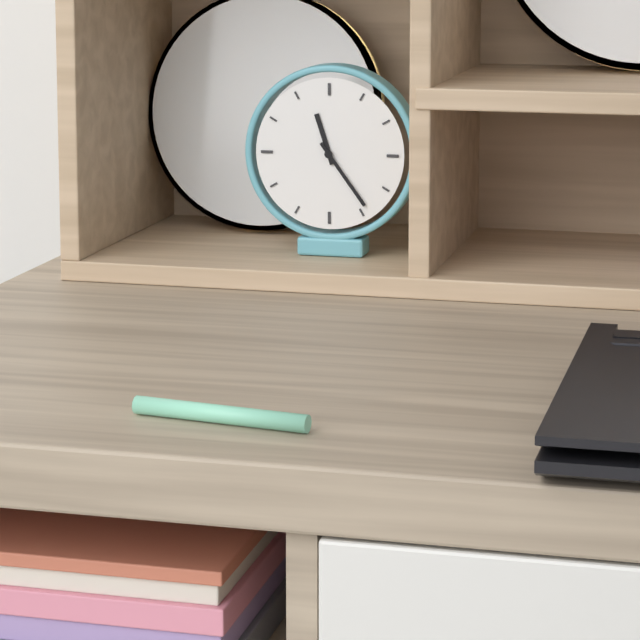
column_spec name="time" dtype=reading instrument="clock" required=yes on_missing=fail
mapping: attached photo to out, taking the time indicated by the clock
11:24
